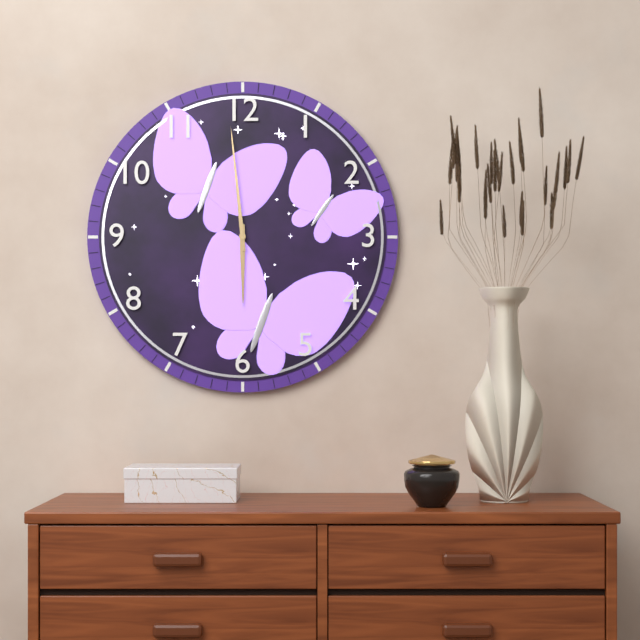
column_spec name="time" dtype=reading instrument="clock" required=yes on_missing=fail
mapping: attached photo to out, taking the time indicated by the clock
5:59
